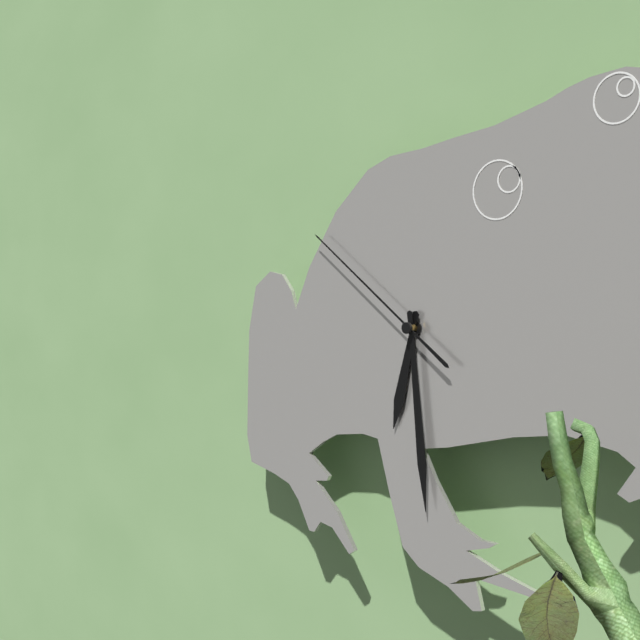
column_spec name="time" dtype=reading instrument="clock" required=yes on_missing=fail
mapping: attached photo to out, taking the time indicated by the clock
6:29:51
